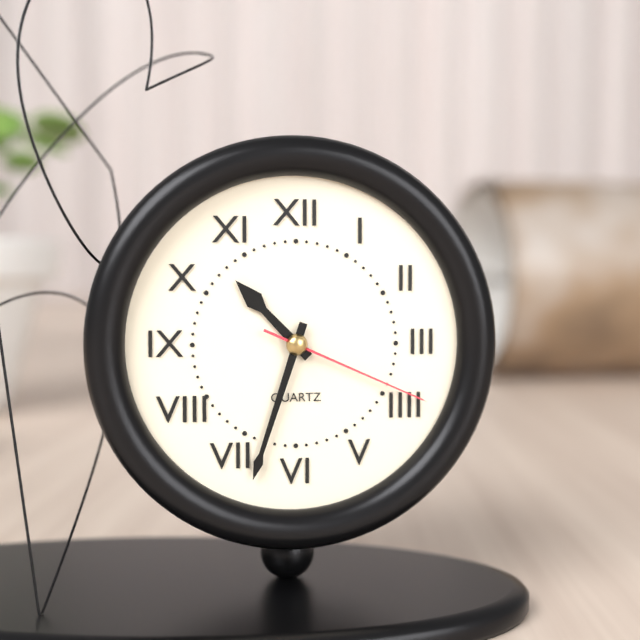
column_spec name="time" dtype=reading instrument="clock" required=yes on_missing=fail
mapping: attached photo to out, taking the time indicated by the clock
10:33:19
